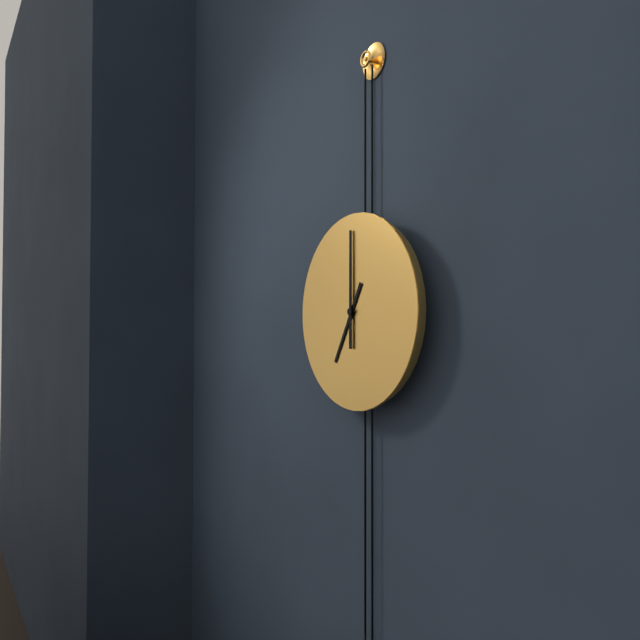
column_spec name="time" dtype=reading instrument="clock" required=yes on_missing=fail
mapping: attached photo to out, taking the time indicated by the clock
7:00
